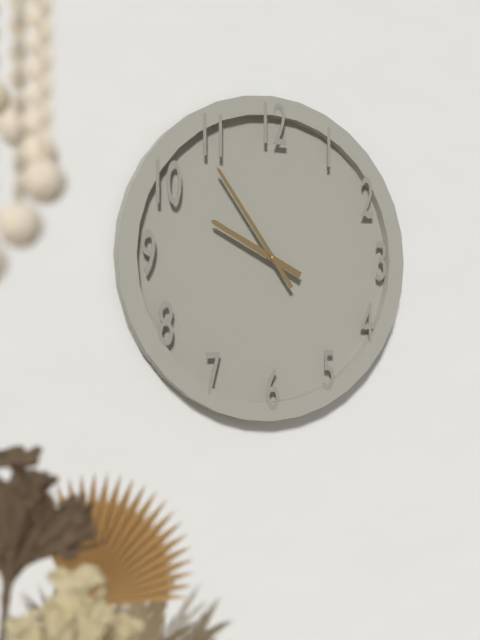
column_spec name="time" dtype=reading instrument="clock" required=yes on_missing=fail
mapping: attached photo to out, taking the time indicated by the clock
9:54
